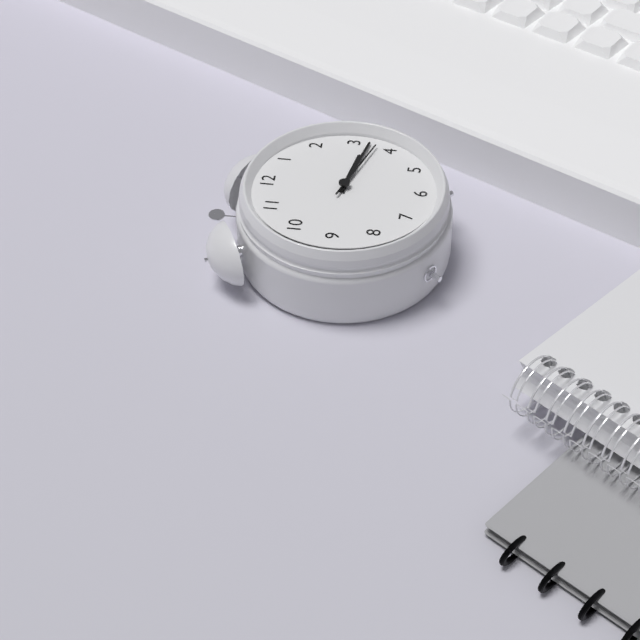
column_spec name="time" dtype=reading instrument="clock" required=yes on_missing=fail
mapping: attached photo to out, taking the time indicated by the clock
3:17:18
